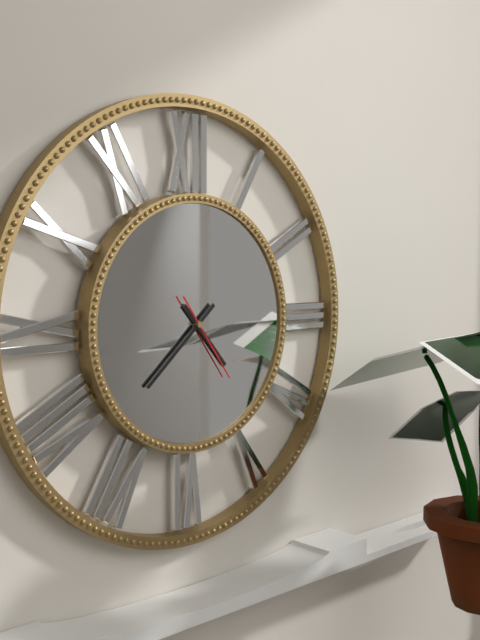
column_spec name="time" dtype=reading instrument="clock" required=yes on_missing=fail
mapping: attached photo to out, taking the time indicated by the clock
4:38:24
